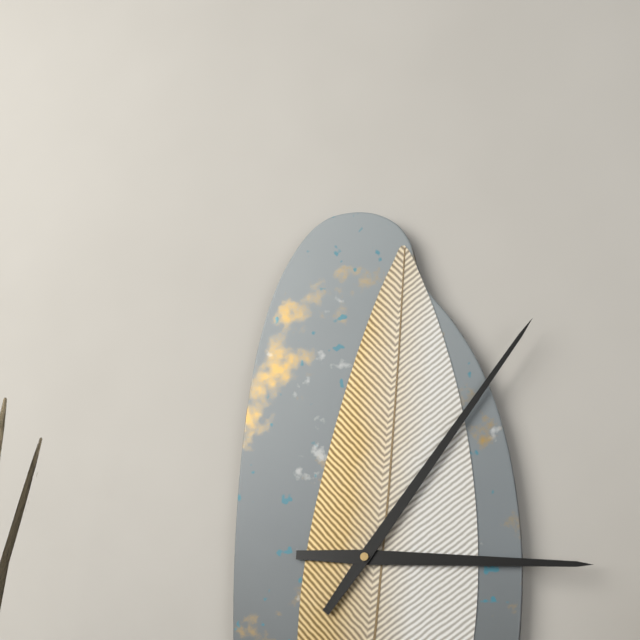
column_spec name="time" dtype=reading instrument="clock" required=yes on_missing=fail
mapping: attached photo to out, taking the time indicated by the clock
3:06
